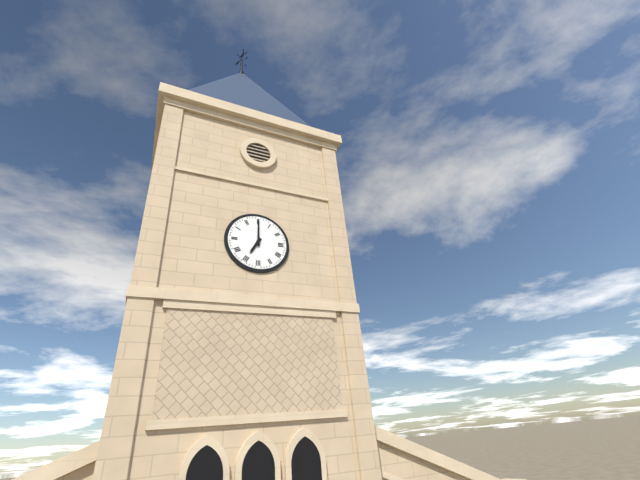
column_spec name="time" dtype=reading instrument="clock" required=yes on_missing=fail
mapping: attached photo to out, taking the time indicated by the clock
7:00
